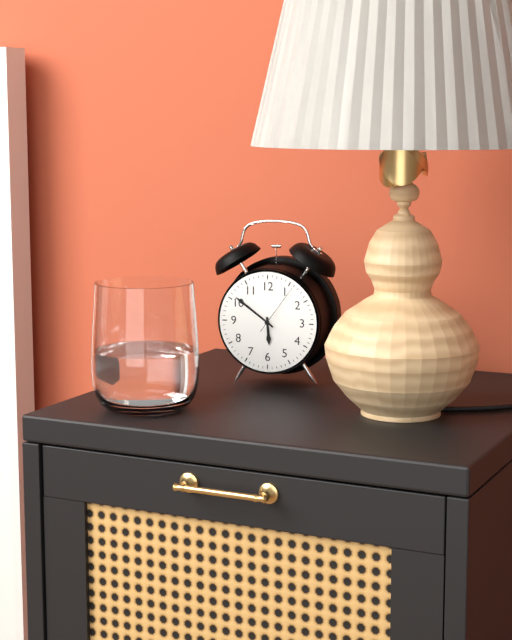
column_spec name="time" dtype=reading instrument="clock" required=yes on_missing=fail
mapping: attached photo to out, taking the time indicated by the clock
5:51:06
